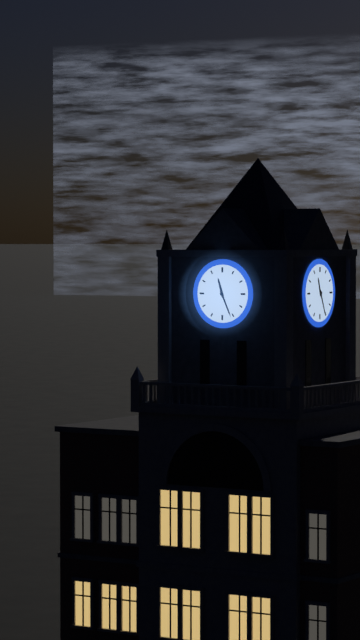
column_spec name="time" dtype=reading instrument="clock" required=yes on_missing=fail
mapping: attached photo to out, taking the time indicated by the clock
11:26
